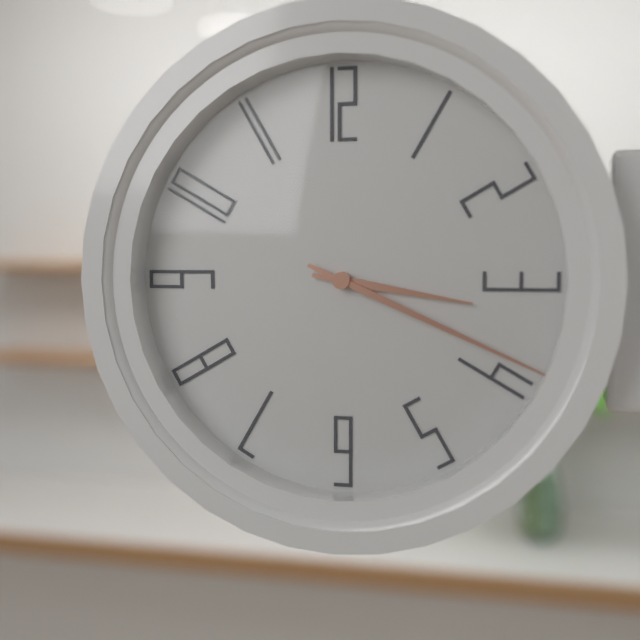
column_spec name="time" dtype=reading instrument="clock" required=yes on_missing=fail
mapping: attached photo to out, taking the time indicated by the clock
3:19
